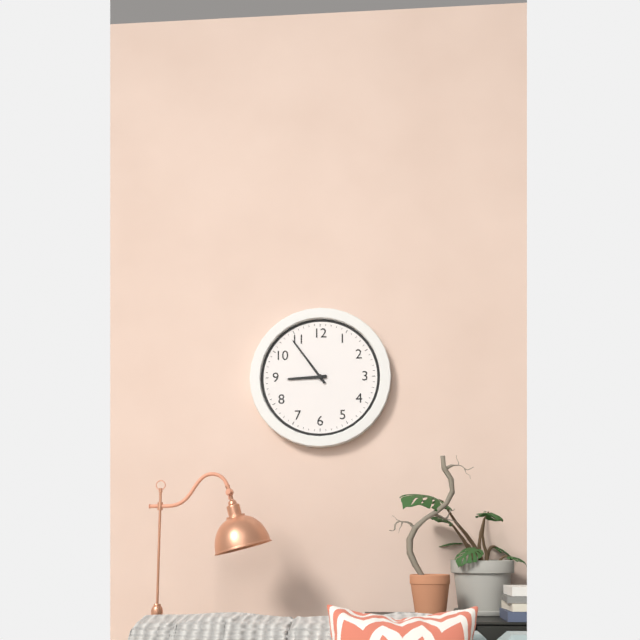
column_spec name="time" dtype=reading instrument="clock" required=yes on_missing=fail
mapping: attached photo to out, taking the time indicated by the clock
8:54
